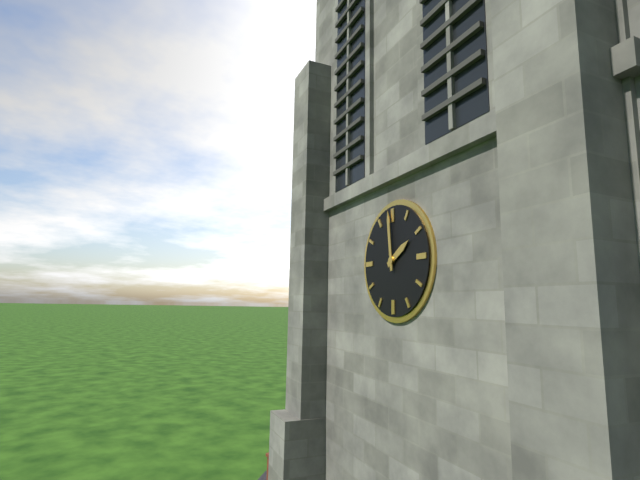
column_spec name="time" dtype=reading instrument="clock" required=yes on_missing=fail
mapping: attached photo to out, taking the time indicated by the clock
1:59
